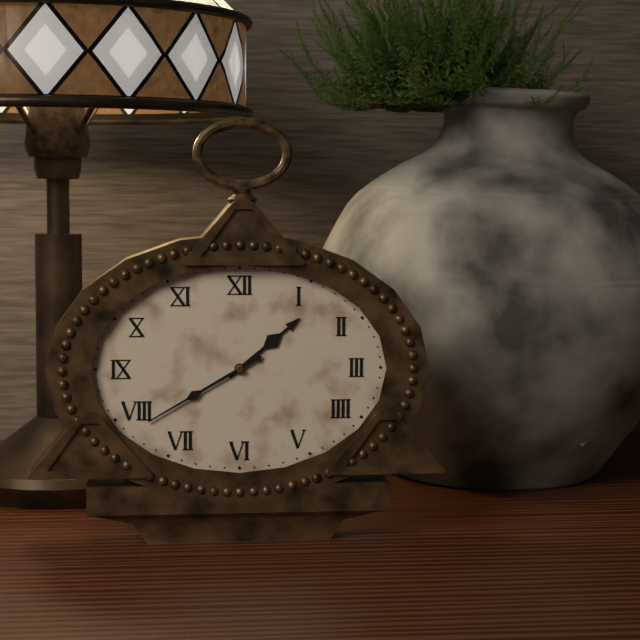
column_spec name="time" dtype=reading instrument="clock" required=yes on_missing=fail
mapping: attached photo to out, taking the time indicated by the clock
1:40
